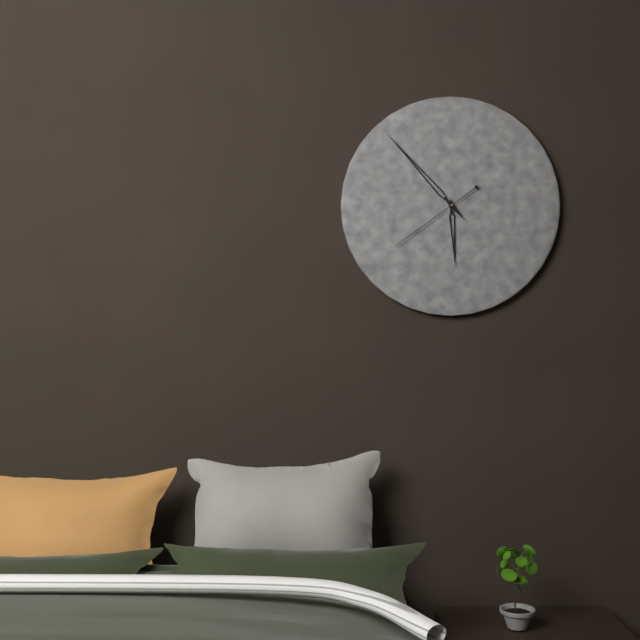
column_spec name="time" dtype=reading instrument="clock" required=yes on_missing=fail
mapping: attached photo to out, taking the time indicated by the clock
5:53:39
